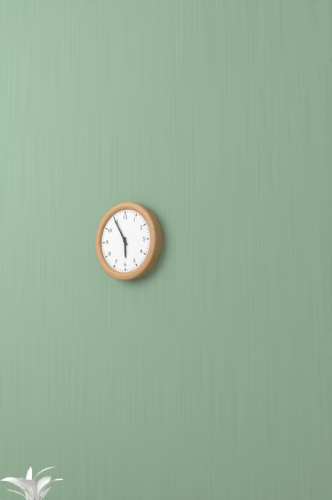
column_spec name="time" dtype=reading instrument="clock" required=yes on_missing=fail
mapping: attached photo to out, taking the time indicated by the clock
5:55
